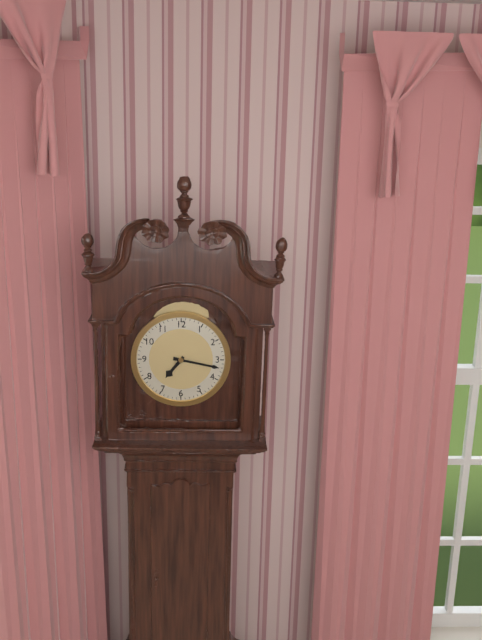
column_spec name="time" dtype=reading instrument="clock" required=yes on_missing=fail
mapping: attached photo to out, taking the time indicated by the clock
7:17
